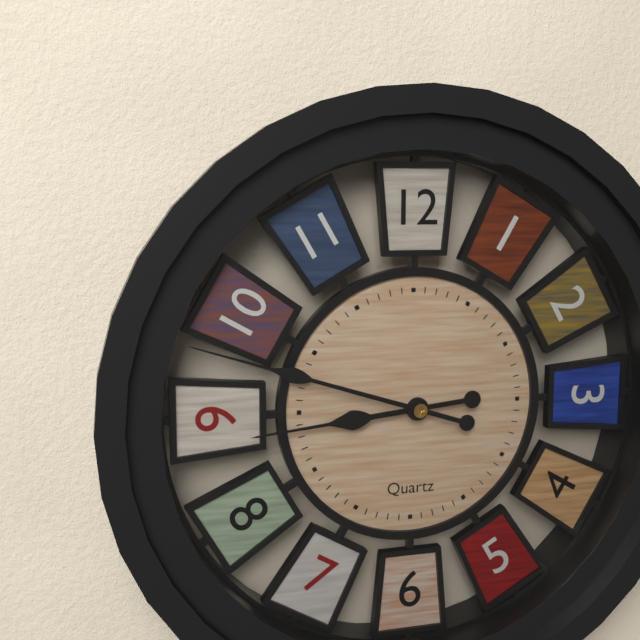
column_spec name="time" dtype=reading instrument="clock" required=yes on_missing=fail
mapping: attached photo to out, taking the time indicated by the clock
8:48
